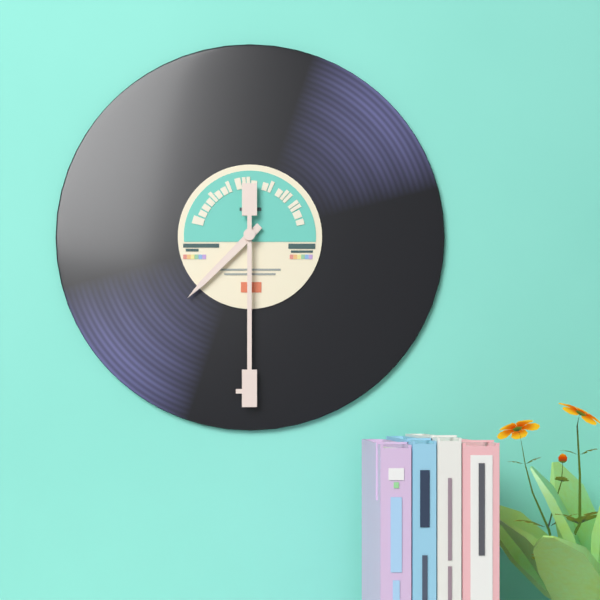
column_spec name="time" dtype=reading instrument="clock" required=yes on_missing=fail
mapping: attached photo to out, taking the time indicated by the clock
7:30
